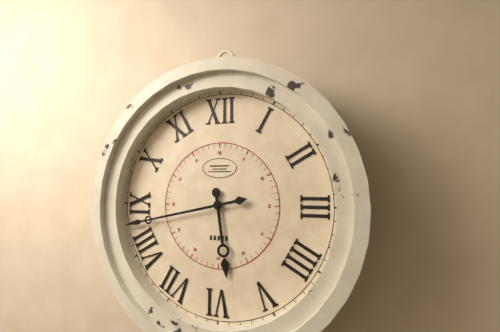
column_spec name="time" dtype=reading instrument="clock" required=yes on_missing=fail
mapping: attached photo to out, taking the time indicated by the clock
5:43
